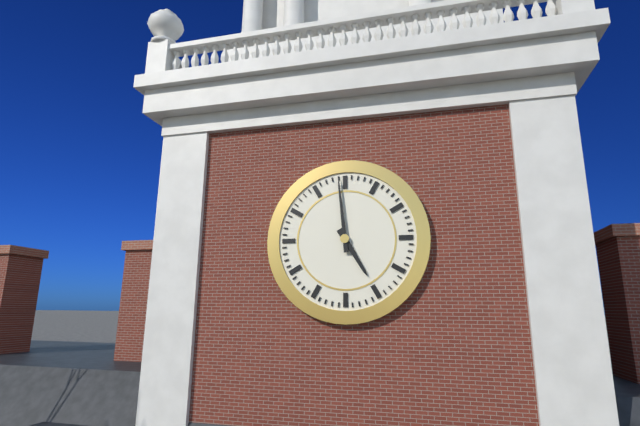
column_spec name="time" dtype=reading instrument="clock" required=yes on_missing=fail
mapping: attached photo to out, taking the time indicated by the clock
4:59
